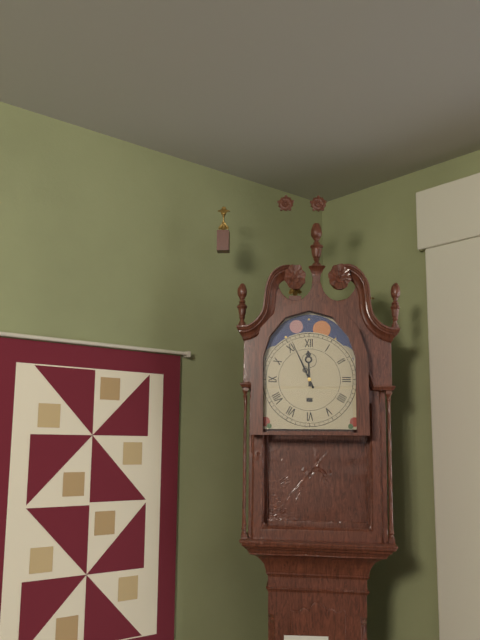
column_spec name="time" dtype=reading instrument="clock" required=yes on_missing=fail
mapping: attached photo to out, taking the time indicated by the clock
11:56
